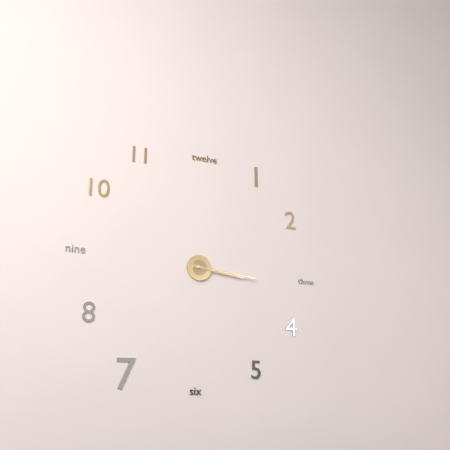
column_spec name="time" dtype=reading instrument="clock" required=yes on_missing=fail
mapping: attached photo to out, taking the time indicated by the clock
3:16
